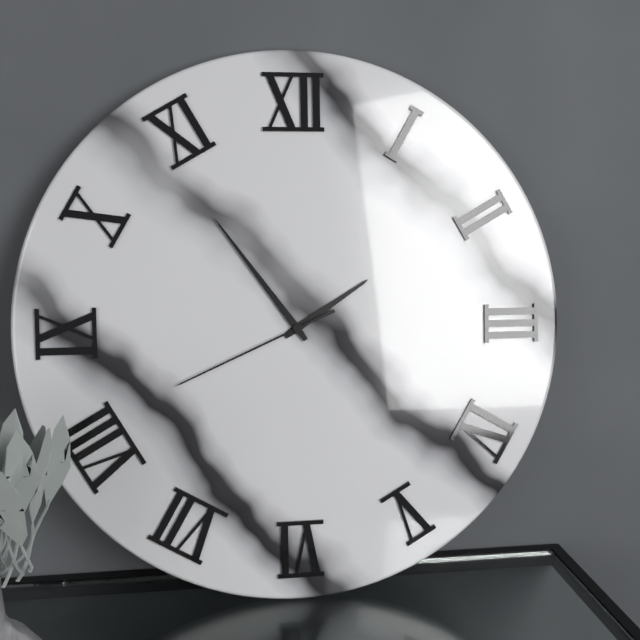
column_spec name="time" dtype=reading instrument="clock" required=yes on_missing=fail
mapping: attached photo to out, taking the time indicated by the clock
1:54:41
